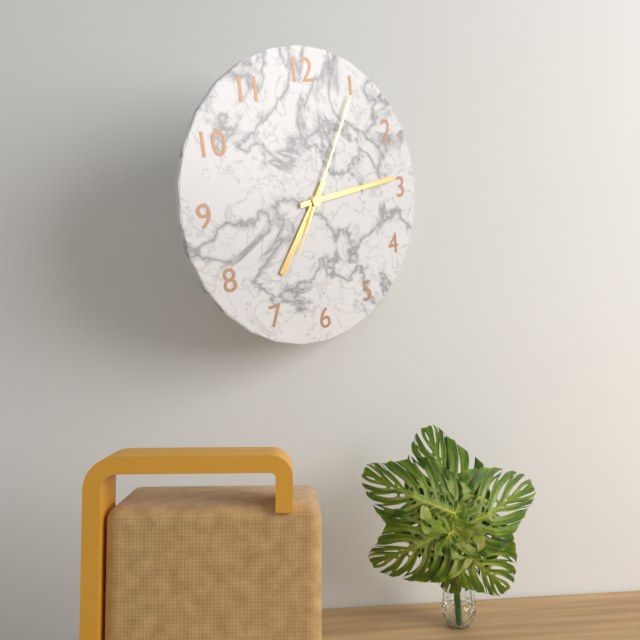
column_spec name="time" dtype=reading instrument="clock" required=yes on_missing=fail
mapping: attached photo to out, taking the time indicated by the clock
7:14:05
